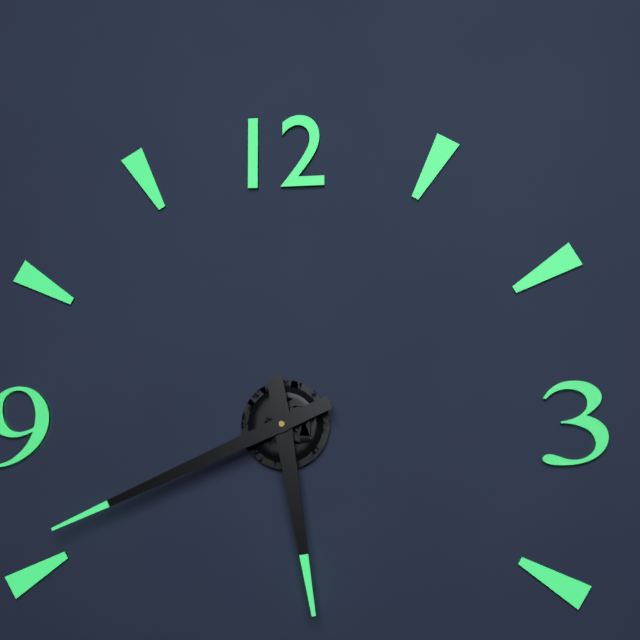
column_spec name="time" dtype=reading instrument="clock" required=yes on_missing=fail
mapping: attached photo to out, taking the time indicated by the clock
5:41
